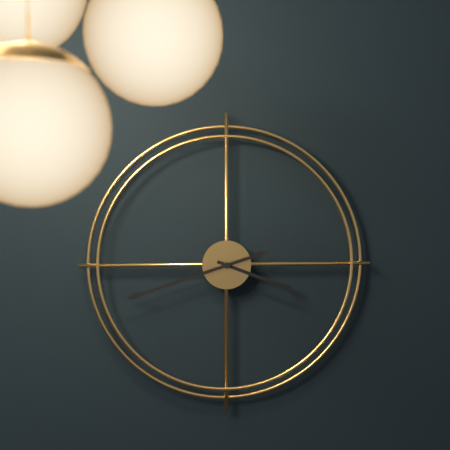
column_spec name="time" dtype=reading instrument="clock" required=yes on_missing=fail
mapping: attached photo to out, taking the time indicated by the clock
3:42
